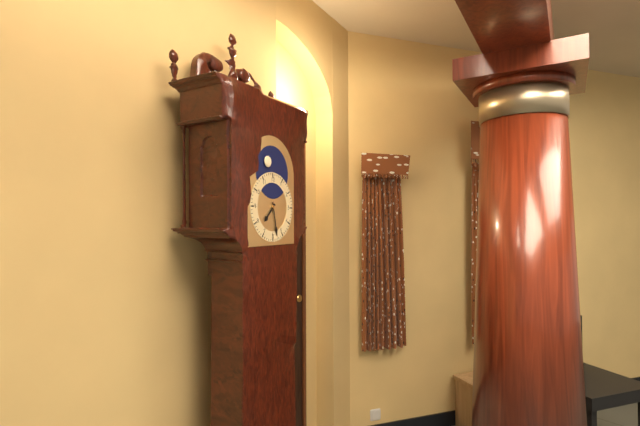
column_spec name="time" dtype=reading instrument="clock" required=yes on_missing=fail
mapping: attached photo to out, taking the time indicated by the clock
7:28
